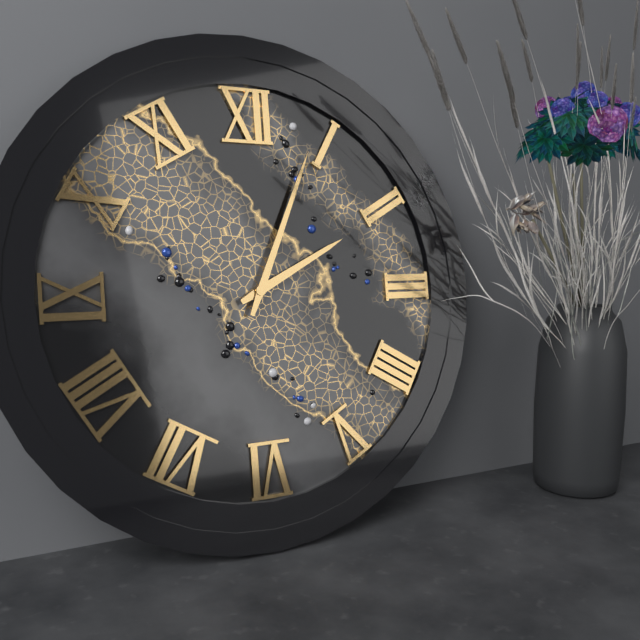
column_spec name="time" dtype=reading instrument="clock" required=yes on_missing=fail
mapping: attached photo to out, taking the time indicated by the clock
2:04
